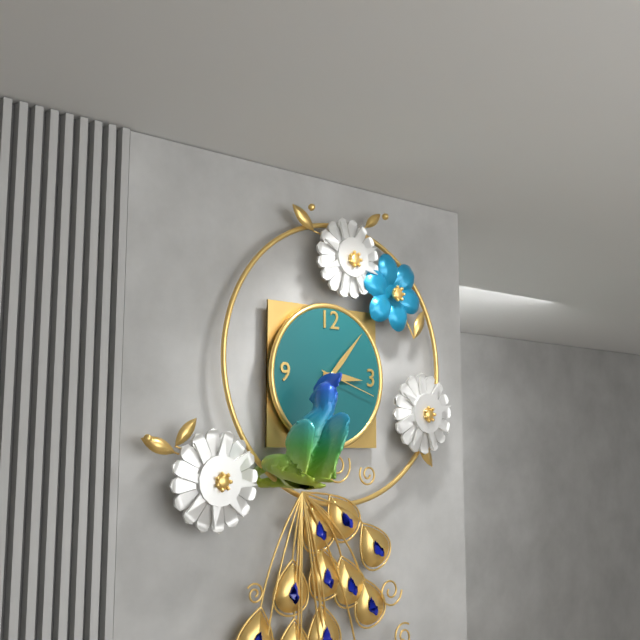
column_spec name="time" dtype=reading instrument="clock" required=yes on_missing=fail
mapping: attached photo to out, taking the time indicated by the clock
3:07:18
